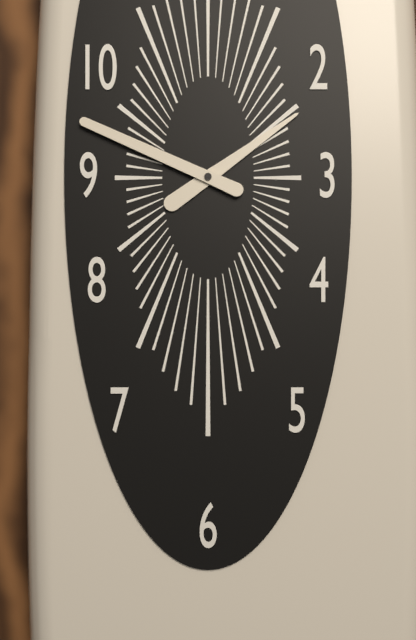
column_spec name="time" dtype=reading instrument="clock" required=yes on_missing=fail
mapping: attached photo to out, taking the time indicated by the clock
1:49
